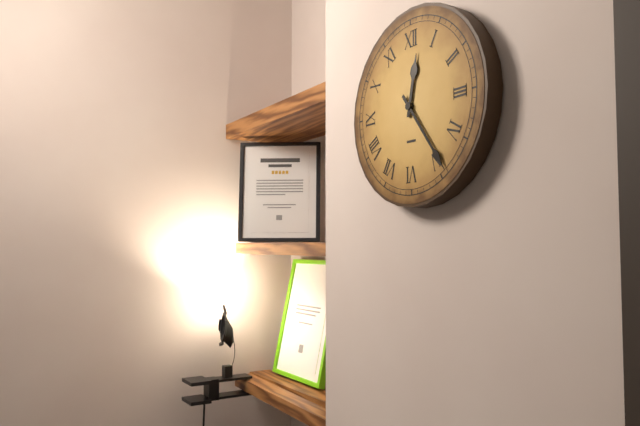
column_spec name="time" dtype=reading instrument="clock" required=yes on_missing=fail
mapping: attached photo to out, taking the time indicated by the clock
12:24
